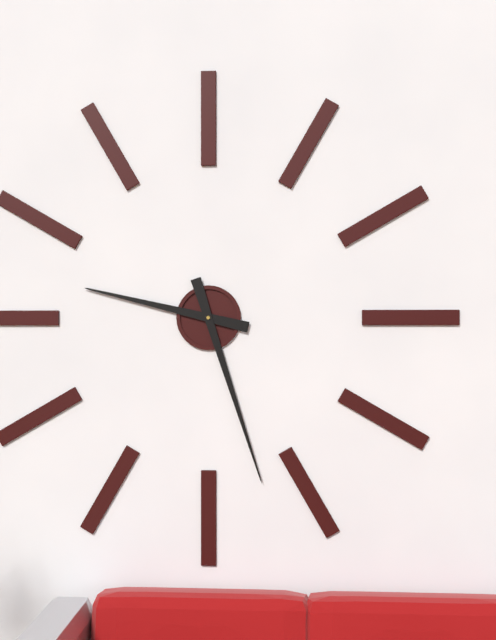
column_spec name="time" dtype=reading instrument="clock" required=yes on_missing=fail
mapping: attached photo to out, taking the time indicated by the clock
9:27
